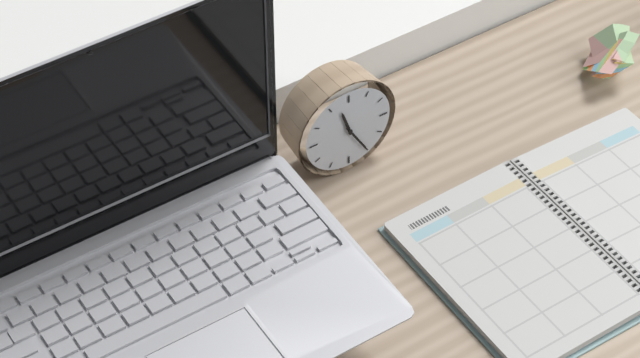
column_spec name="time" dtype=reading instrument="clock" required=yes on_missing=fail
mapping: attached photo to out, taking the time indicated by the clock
11:25
